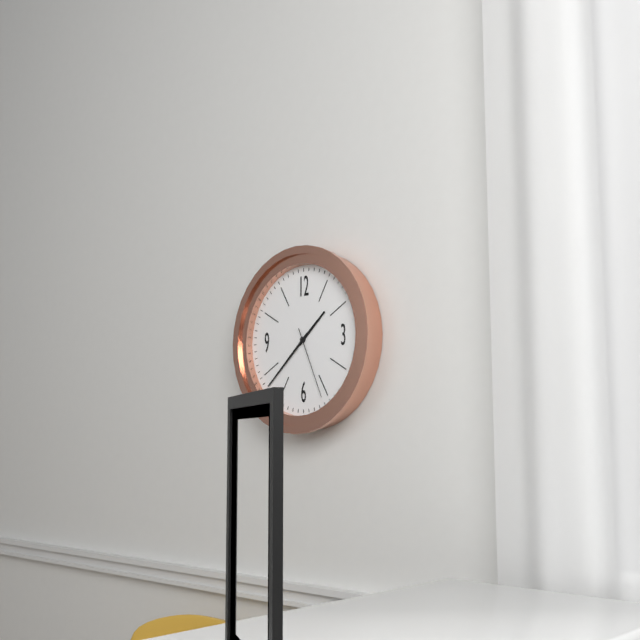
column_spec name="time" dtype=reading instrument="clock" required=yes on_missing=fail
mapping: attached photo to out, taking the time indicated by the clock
1:38:26
